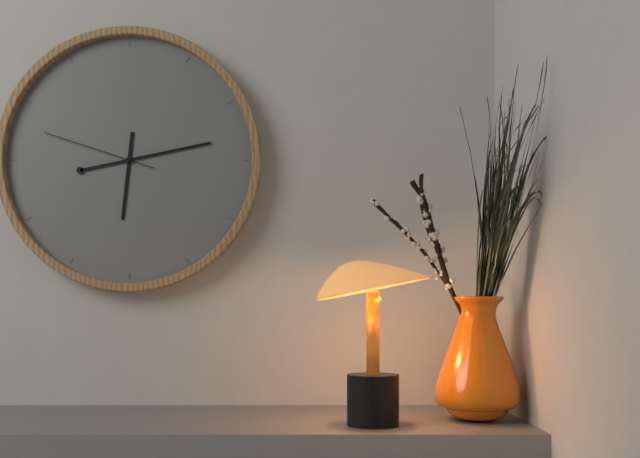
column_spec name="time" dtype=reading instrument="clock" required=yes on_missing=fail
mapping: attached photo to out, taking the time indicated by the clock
6:13:48
